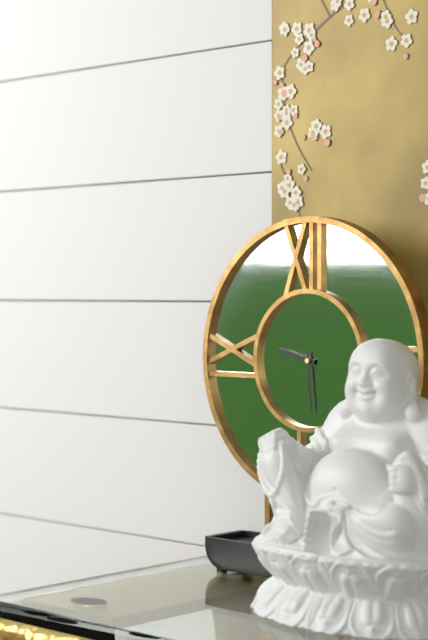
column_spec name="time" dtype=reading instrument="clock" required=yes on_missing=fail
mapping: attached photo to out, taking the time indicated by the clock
9:29
